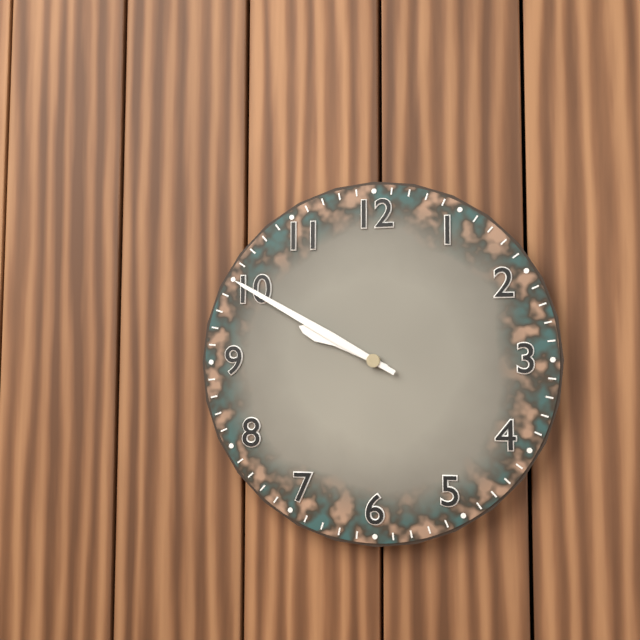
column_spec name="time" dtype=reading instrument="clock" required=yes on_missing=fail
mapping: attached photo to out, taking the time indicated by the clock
9:50
